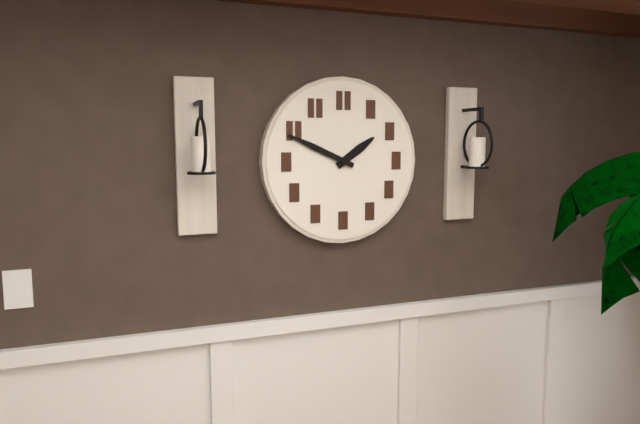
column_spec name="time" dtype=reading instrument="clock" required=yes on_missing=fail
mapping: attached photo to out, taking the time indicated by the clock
1:49
